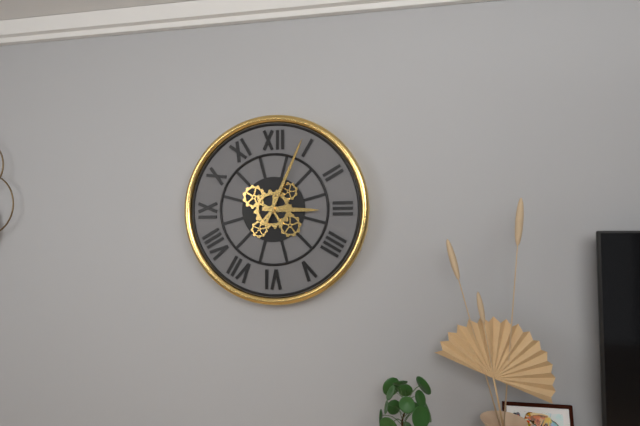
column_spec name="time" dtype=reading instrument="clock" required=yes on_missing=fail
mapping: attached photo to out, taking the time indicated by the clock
3:04
